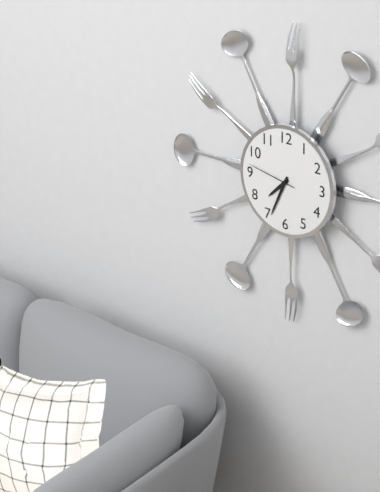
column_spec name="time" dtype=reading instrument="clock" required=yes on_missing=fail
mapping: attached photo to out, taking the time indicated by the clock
7:34:47
